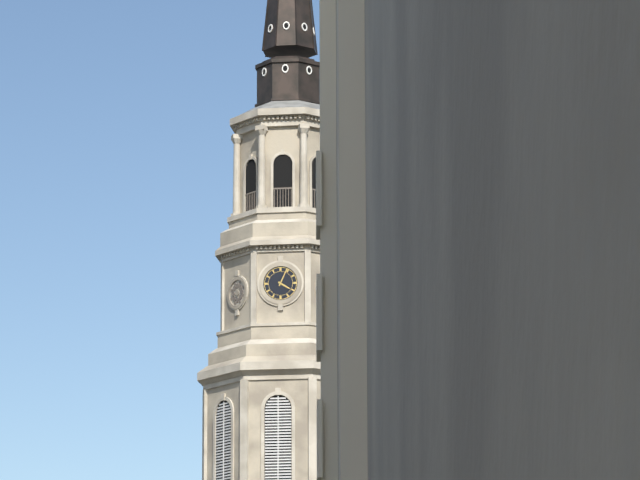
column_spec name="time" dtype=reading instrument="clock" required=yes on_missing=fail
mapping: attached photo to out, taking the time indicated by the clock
4:04
